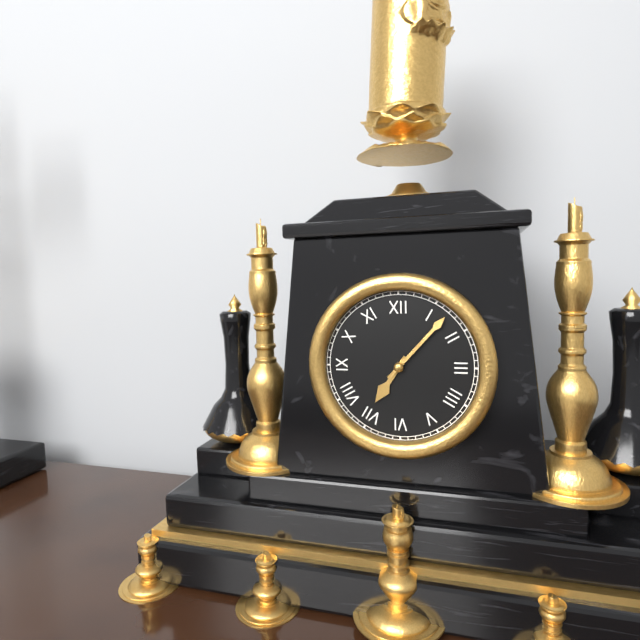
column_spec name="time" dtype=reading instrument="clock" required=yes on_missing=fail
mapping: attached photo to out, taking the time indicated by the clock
7:07
